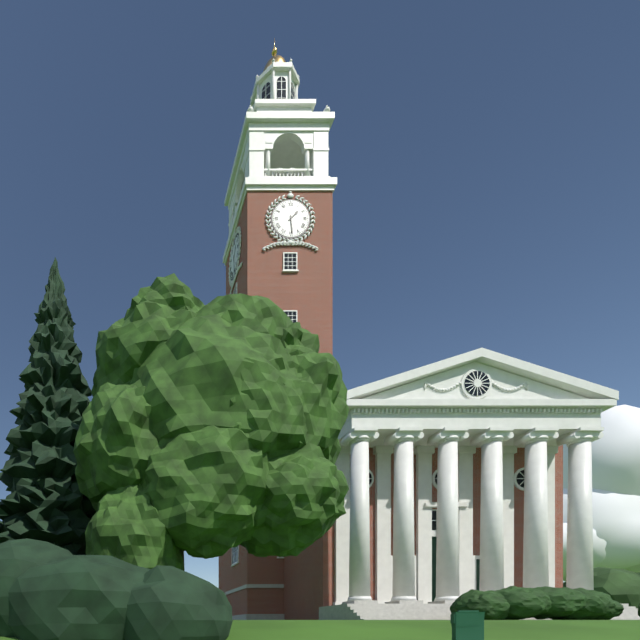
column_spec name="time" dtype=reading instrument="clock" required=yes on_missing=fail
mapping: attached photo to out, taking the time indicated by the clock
1:29
